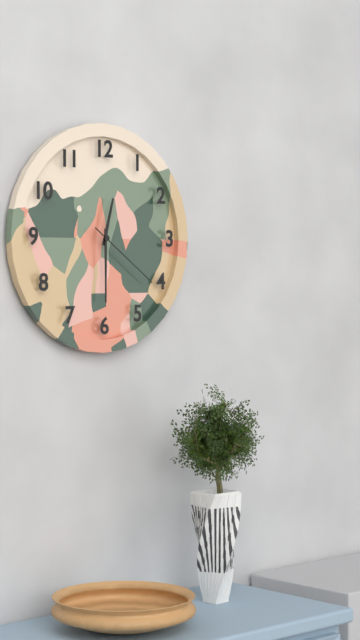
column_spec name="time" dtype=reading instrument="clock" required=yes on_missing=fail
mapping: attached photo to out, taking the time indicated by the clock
12:30:21
